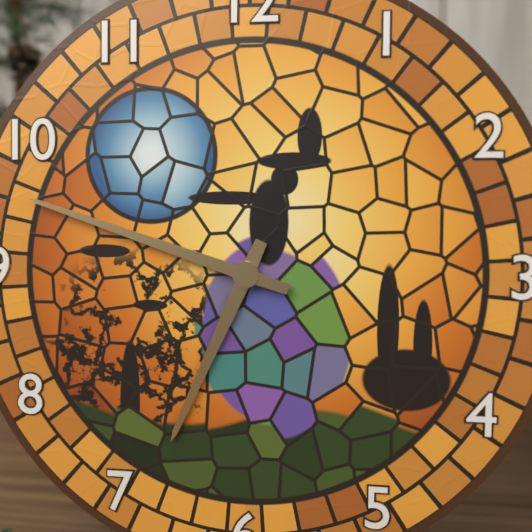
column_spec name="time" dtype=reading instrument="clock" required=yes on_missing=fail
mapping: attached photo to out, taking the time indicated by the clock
6:48
